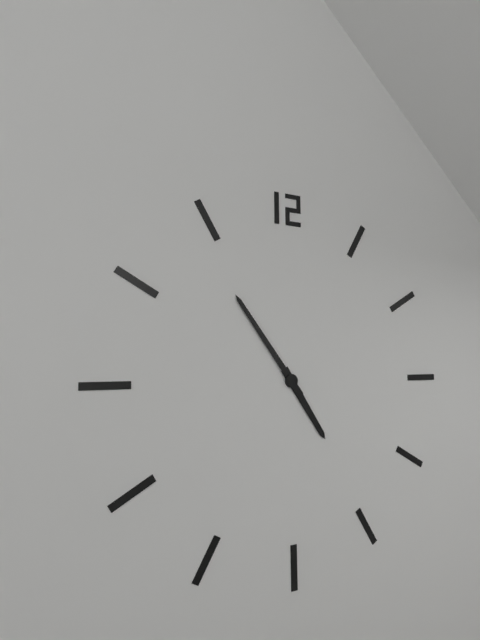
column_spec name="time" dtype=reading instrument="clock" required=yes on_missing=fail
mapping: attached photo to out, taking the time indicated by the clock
4:54
